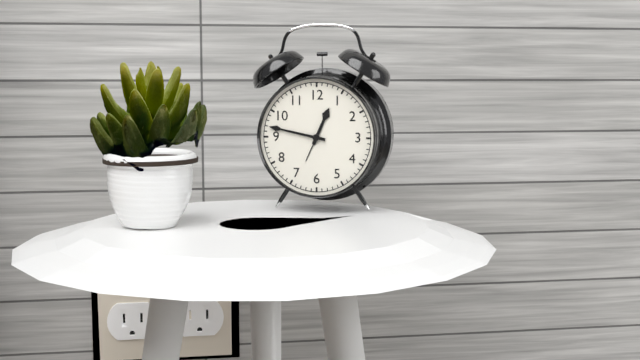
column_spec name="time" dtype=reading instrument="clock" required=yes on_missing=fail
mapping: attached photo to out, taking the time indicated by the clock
12:47
